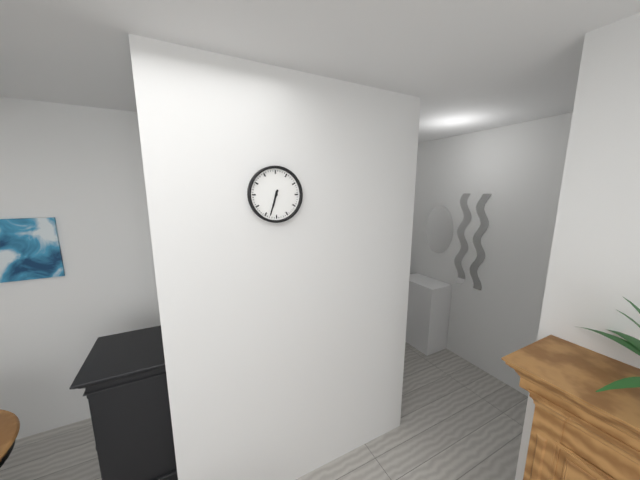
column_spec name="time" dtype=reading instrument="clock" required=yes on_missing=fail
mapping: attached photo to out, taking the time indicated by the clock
6:33
